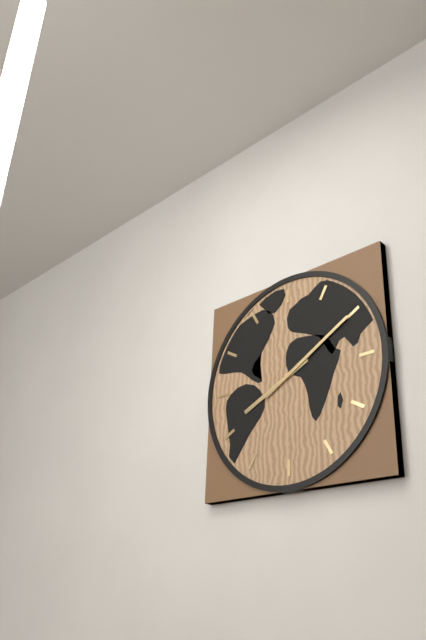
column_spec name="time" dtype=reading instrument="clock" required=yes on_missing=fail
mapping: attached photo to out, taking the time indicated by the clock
8:10
